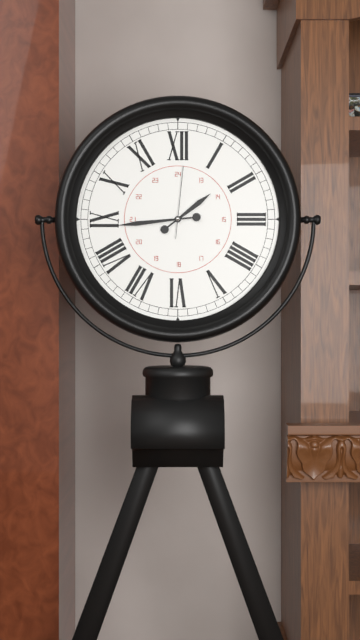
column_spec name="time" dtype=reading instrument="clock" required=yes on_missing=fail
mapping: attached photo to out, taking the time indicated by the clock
1:44:01
